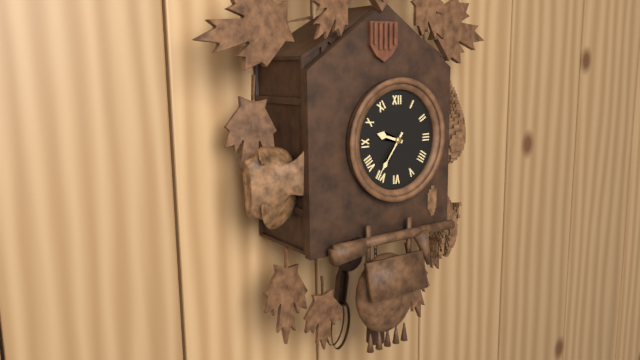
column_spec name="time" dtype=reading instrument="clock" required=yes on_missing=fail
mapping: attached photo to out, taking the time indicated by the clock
9:36
